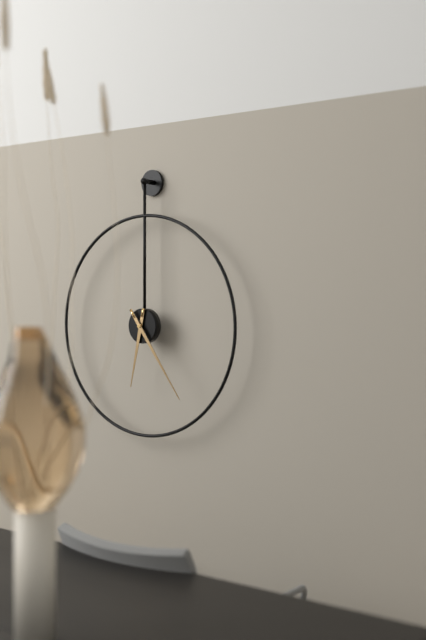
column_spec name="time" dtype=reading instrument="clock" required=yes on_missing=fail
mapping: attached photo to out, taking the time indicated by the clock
6:24
